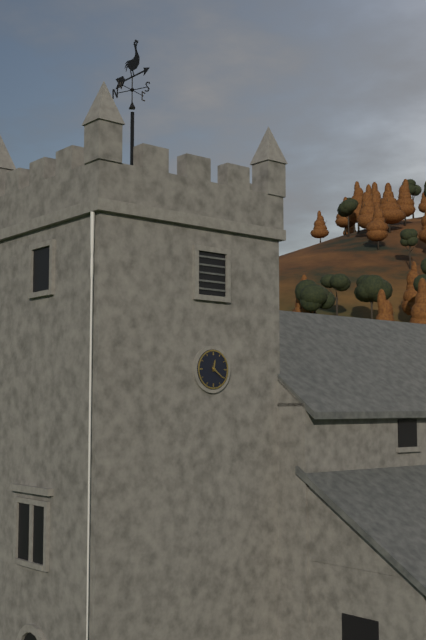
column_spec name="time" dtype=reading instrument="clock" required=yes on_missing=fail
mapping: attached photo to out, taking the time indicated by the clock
12:21
